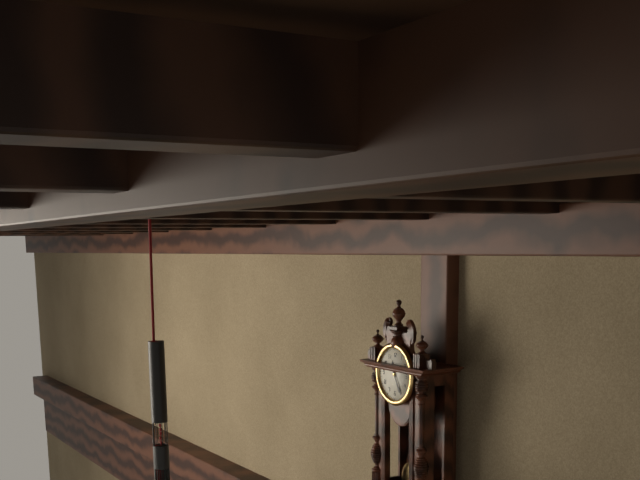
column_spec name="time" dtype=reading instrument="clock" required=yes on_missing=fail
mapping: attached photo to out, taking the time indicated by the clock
11:25
